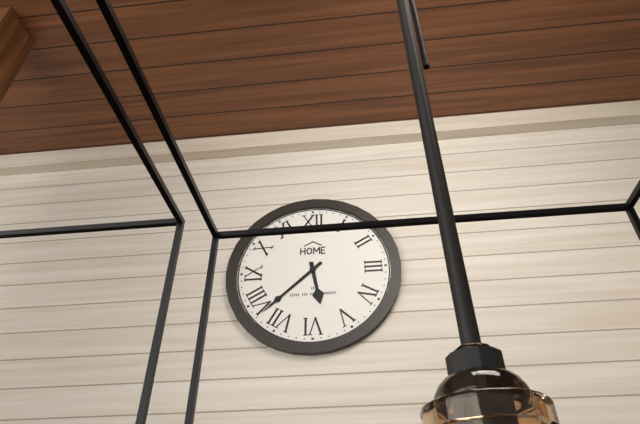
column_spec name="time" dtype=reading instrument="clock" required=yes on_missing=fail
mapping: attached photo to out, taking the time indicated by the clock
5:38
